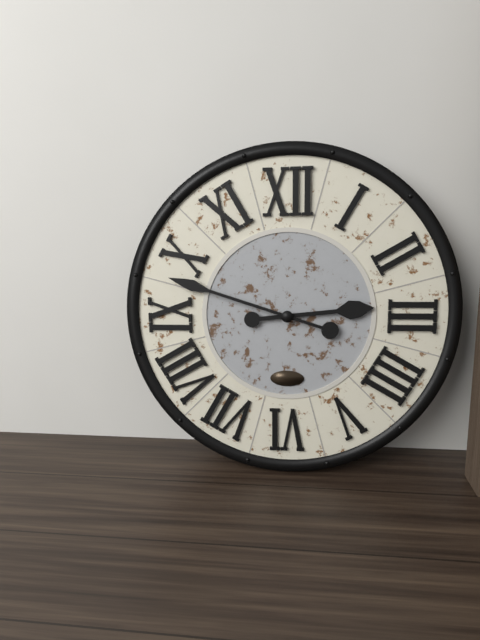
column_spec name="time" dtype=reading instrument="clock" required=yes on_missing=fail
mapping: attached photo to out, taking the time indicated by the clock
2:48
